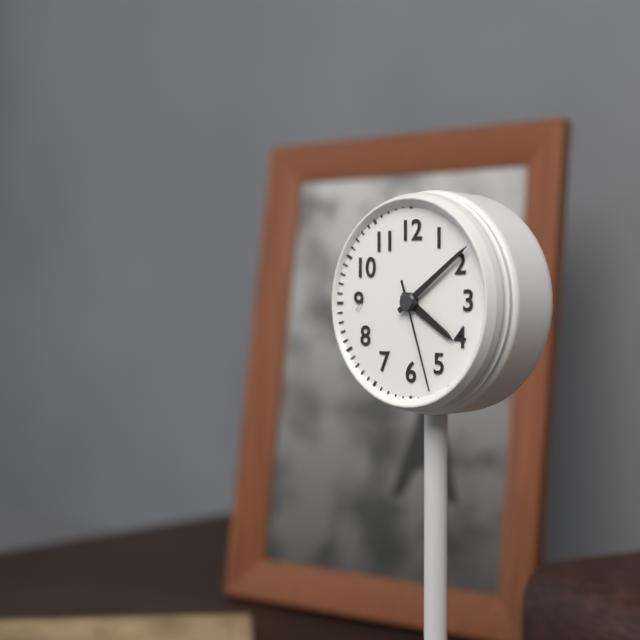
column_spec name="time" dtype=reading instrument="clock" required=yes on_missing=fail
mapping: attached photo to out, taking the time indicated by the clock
4:09:27
